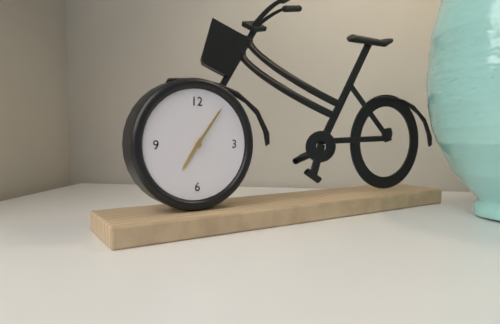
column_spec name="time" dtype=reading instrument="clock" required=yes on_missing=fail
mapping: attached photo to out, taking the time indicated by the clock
7:06
